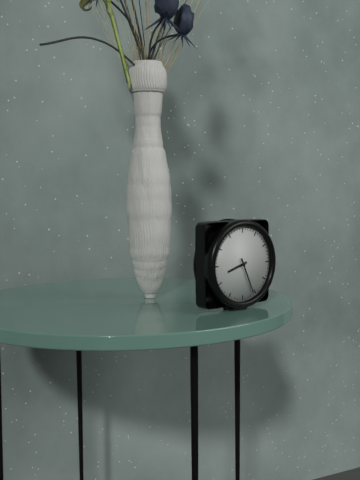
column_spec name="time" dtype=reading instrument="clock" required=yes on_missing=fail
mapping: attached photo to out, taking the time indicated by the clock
8:26
